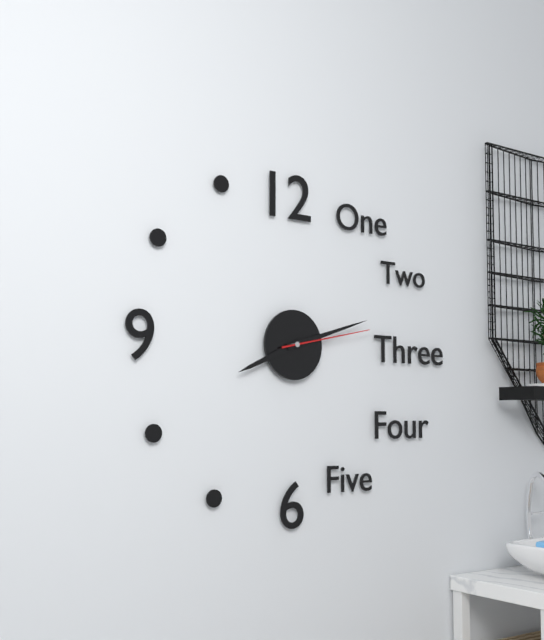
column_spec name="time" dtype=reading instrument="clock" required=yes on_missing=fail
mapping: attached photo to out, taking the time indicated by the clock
8:12:13
